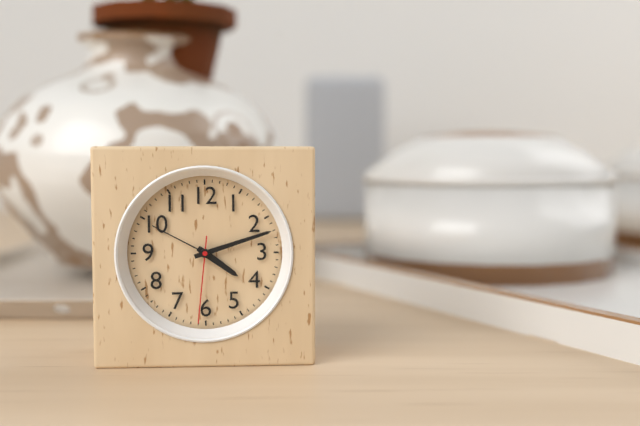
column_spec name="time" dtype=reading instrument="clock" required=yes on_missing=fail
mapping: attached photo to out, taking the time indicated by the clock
4:12:31
